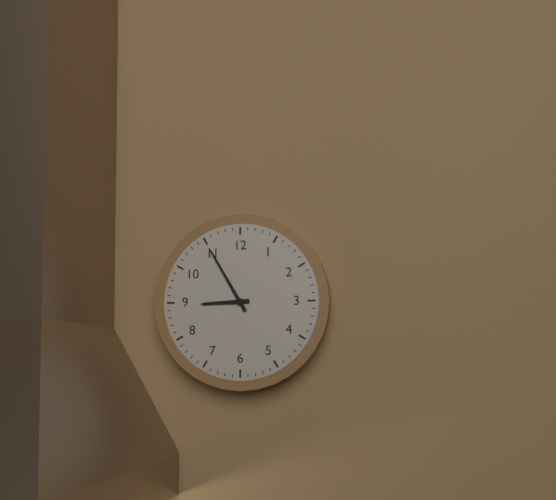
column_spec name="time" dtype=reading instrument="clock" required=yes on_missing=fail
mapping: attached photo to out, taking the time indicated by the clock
8:55
